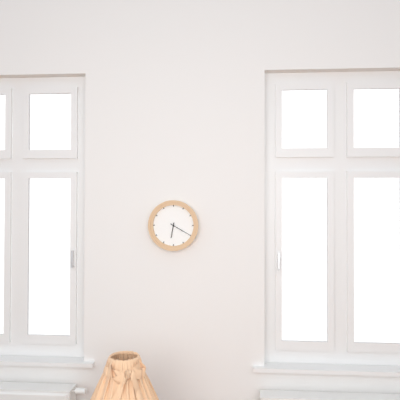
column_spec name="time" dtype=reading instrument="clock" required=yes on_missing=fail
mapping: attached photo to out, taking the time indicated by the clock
6:20
